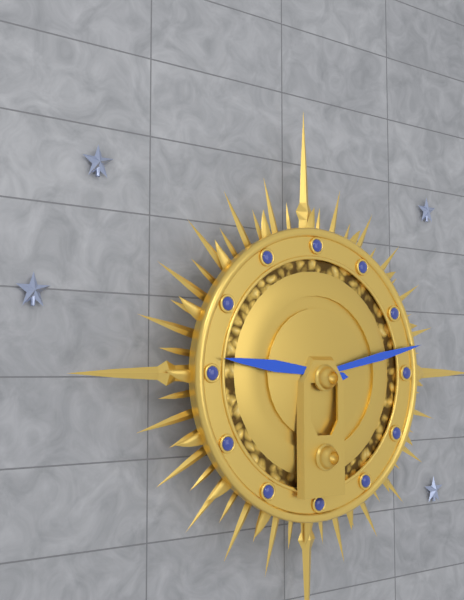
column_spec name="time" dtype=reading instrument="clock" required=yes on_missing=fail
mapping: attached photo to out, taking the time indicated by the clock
9:13
